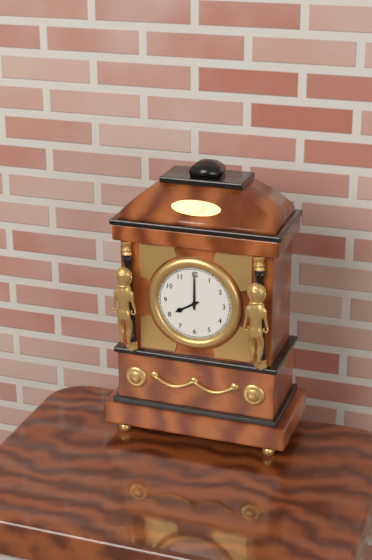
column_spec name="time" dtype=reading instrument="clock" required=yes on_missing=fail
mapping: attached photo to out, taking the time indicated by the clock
8:00
